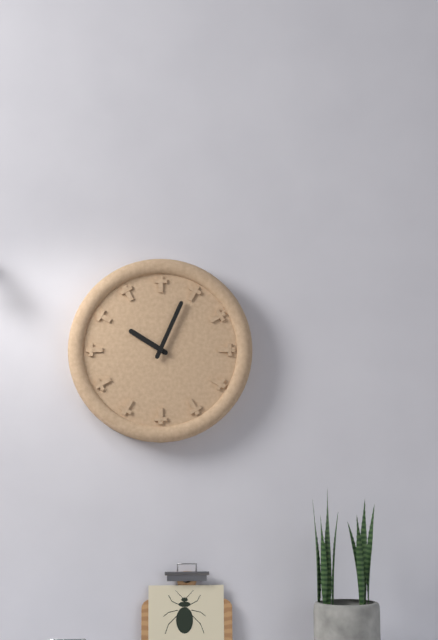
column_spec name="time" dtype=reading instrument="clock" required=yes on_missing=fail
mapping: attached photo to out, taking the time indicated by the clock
10:04
